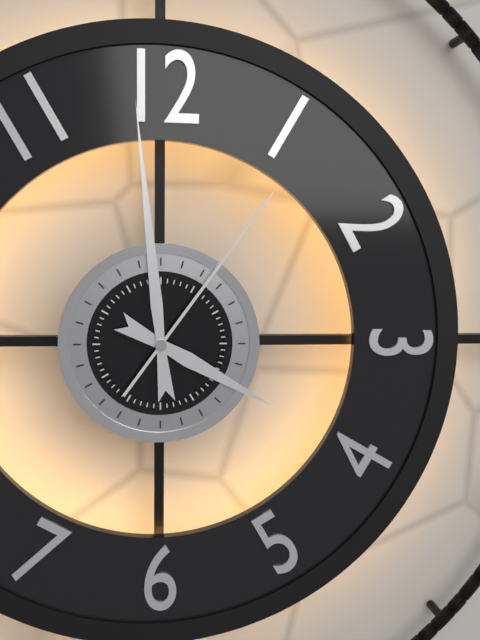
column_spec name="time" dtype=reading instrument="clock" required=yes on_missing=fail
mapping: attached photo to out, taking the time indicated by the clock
3:59:06
